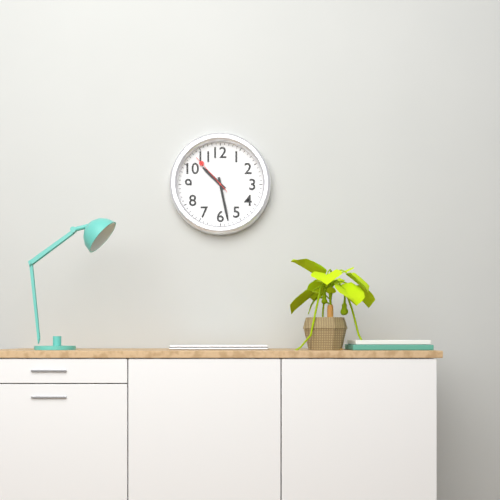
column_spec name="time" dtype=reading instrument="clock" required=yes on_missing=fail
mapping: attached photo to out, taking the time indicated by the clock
10:28
